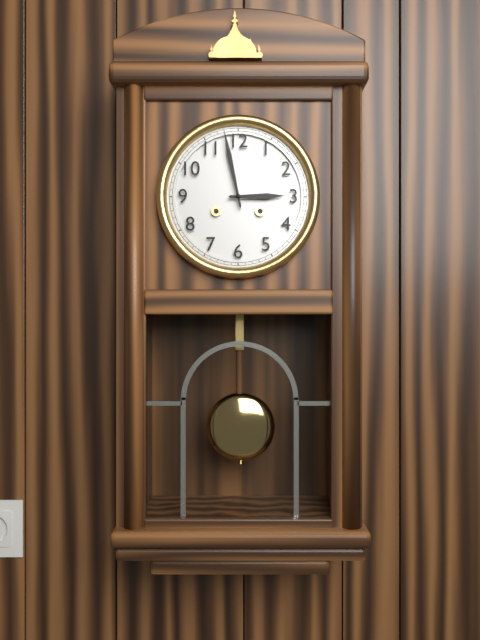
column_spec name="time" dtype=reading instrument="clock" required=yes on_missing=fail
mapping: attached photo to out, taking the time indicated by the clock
2:58
